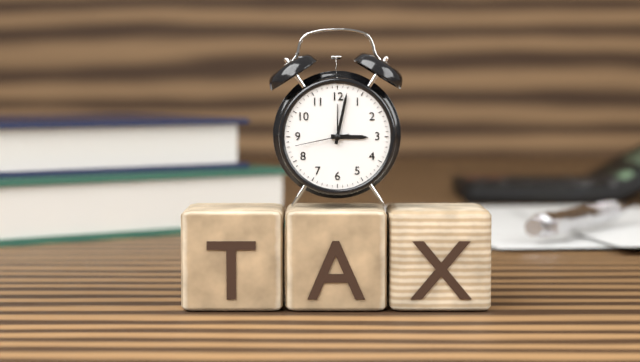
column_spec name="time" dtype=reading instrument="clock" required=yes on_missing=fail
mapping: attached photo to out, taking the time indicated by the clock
3:02:43
